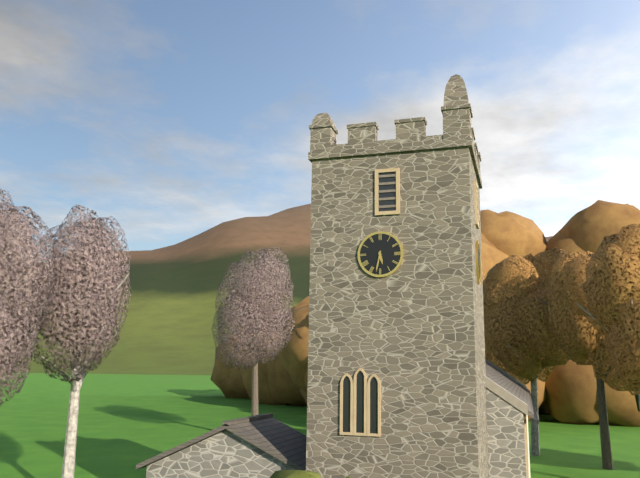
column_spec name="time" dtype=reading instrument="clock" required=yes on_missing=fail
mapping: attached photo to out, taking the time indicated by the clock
5:32
